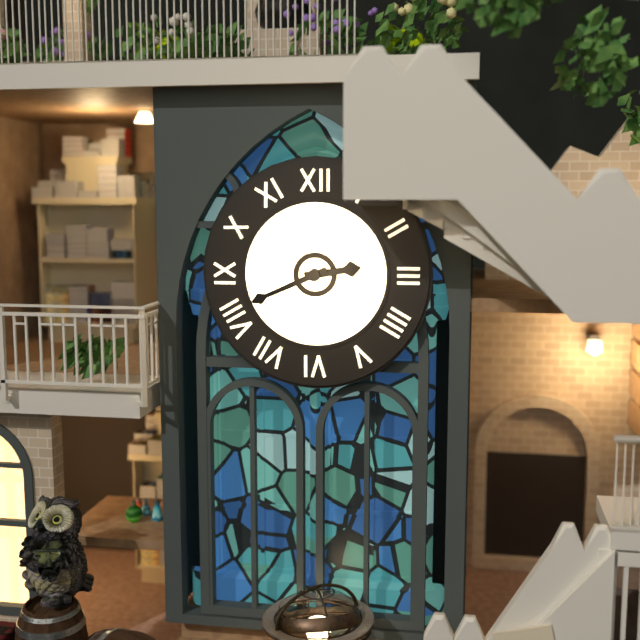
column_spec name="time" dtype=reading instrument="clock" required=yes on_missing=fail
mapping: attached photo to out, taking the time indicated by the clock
2:41
